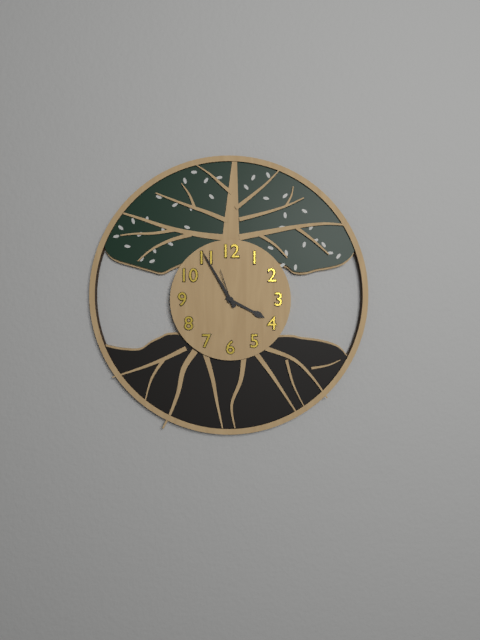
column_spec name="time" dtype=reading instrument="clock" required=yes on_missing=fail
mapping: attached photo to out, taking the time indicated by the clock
3:55
